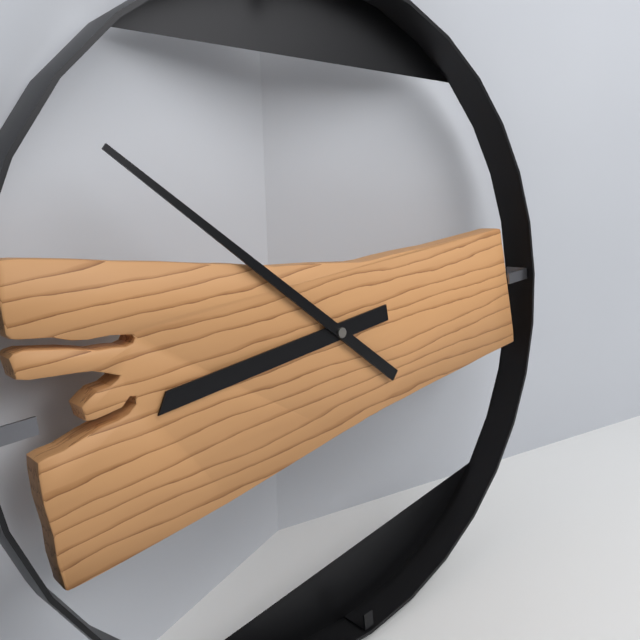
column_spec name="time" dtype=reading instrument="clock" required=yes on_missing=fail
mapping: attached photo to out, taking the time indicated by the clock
8:52
